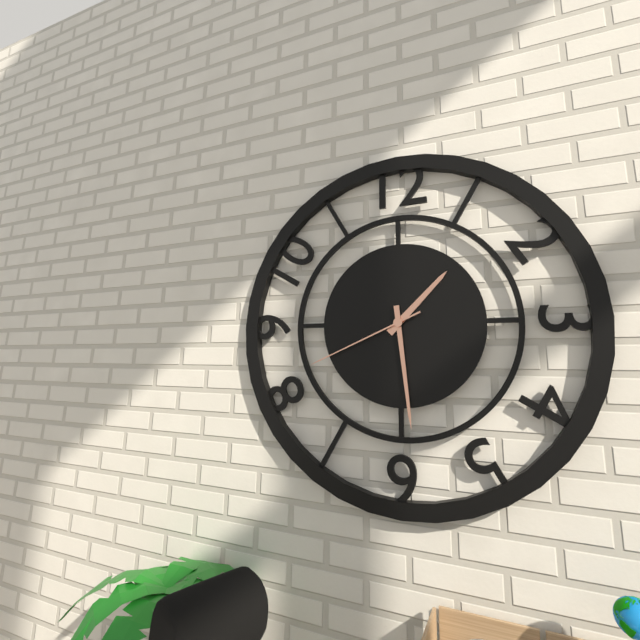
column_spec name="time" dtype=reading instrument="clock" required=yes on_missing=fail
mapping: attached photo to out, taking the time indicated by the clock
1:29:41
